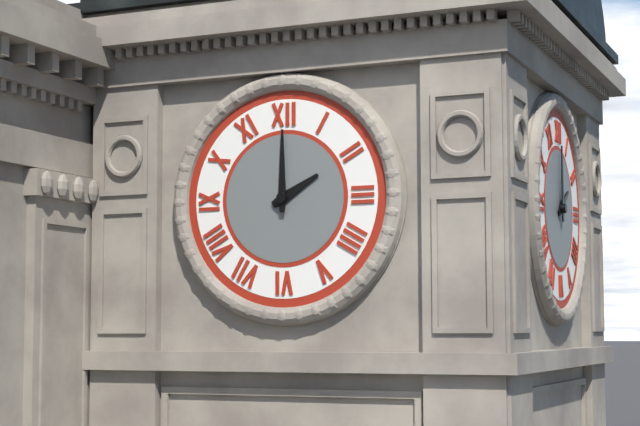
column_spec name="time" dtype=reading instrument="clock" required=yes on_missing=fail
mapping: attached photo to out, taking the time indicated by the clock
2:00
